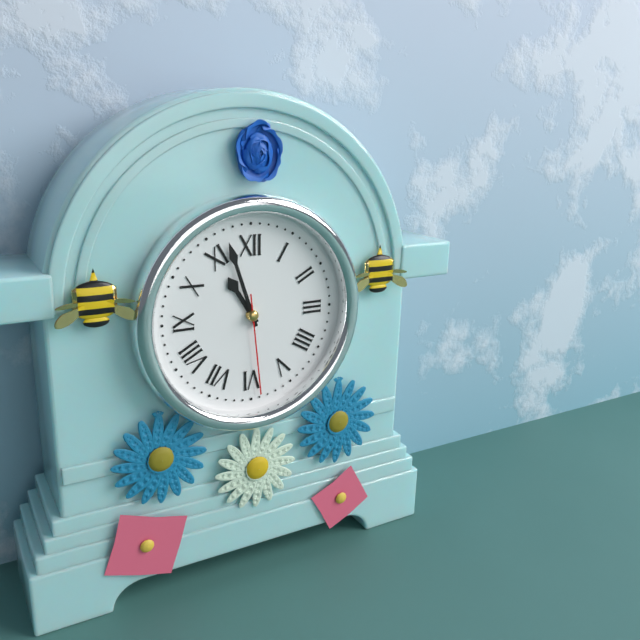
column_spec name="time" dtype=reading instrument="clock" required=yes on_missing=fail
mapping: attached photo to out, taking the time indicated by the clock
10:57:29
